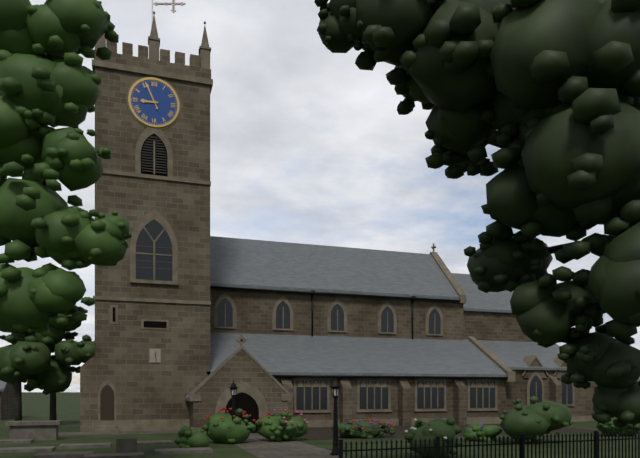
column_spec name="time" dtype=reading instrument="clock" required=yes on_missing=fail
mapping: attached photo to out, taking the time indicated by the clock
8:56
